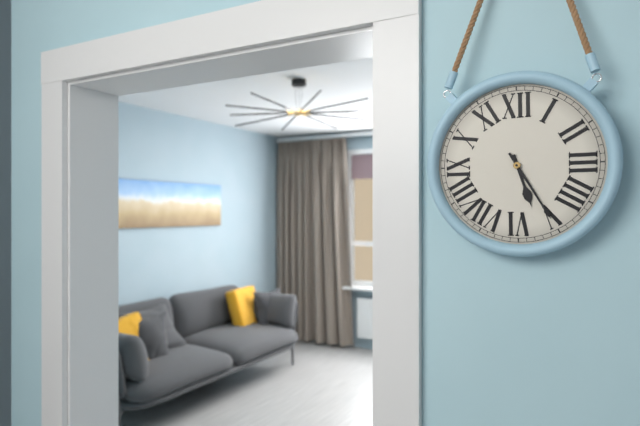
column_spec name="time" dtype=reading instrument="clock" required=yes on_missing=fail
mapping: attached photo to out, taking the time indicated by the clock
5:25
